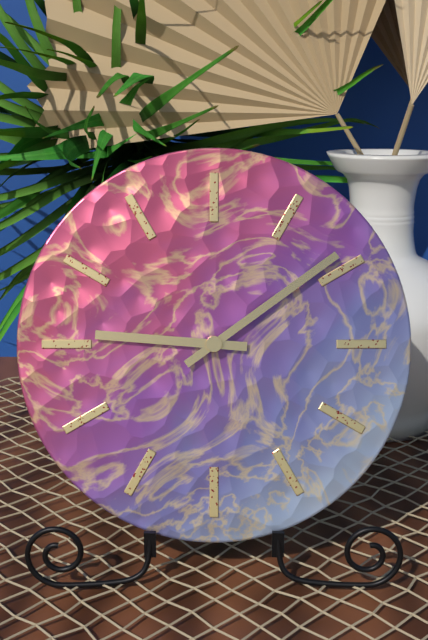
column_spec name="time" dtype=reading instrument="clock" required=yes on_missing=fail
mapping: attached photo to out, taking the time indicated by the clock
9:09
